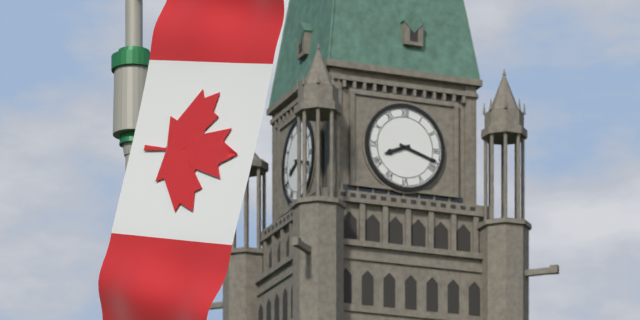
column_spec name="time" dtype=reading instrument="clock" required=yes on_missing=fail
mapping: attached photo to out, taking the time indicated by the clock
8:18
